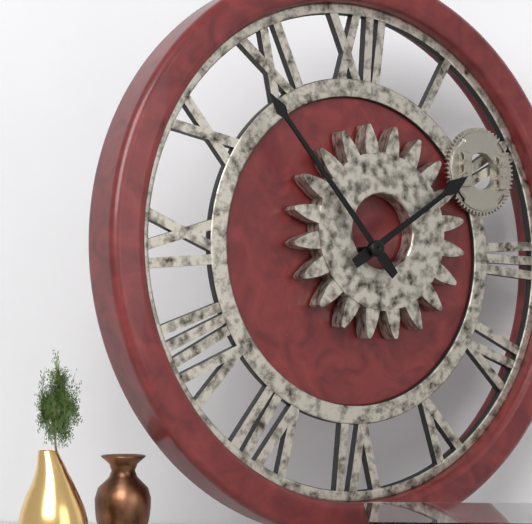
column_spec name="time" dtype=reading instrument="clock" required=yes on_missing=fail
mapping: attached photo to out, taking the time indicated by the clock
1:53
